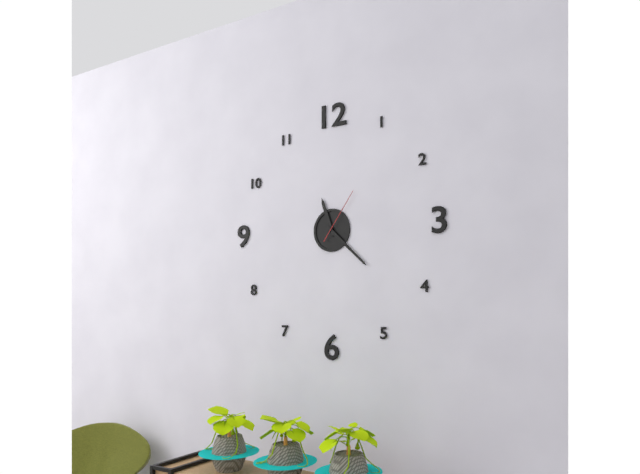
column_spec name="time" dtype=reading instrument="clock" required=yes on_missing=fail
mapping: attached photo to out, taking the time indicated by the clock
11:22:06
